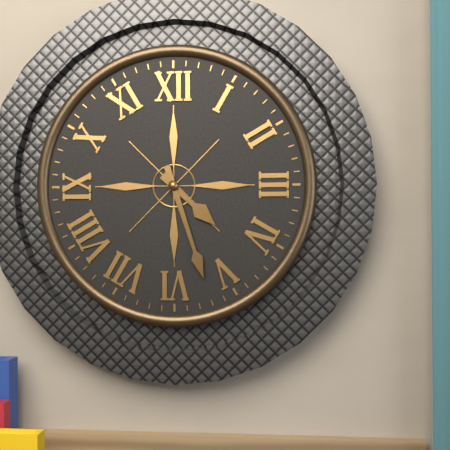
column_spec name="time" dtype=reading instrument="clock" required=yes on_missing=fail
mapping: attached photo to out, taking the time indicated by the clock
4:27
